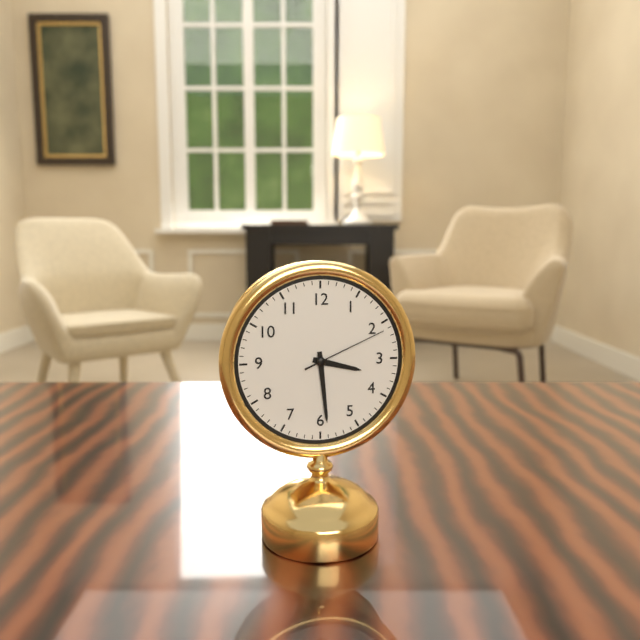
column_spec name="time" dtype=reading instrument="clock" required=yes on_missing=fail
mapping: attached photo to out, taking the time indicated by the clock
3:29:11
